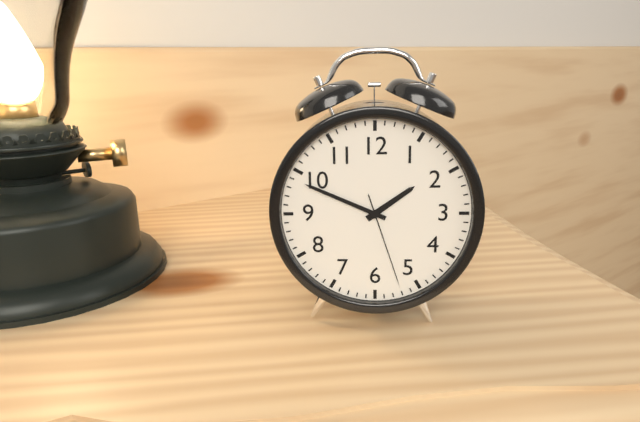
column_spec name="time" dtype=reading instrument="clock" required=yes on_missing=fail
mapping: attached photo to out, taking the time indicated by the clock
1:49:27
